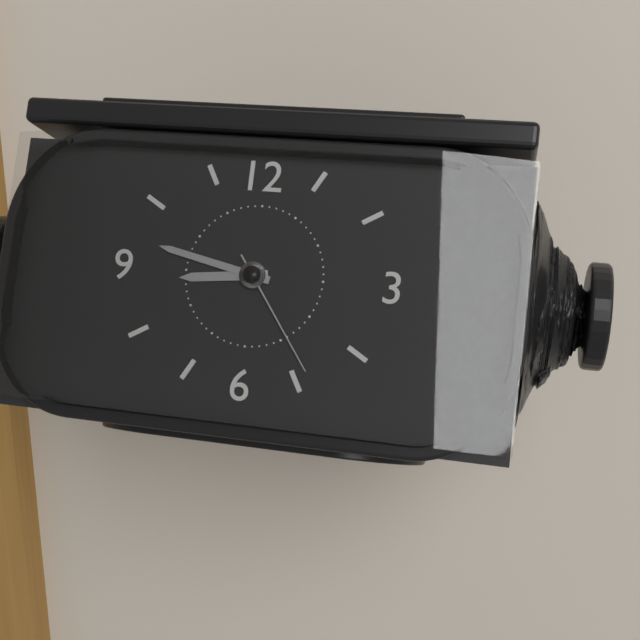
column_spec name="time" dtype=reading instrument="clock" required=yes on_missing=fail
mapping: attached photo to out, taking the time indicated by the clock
8:47:24
